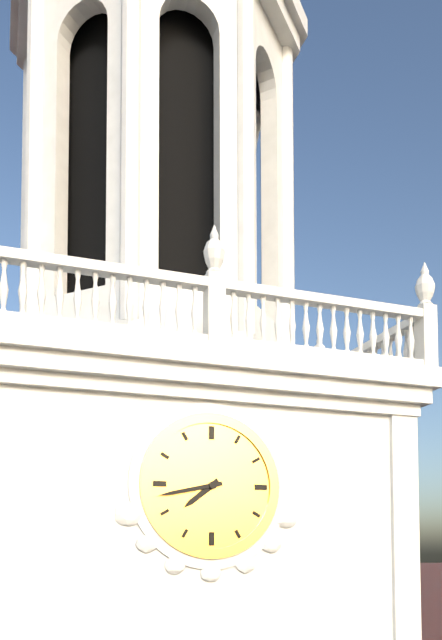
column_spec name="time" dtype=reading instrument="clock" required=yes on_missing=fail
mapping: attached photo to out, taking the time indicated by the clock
7:43
